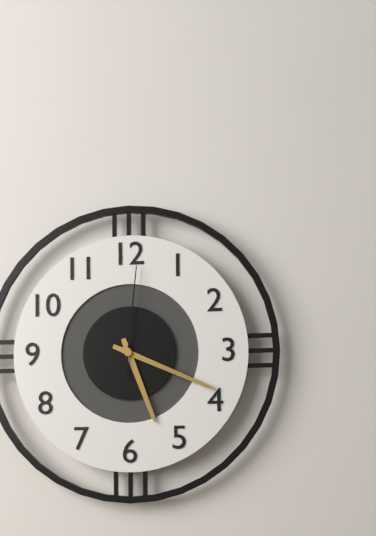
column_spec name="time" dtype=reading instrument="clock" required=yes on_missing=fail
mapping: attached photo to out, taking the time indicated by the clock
5:19:01
